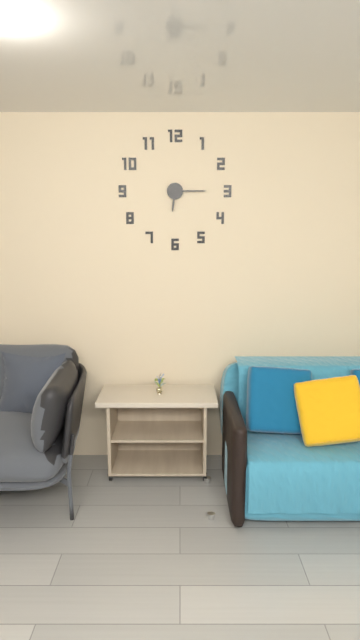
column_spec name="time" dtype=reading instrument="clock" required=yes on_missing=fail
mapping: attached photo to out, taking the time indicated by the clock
6:15
